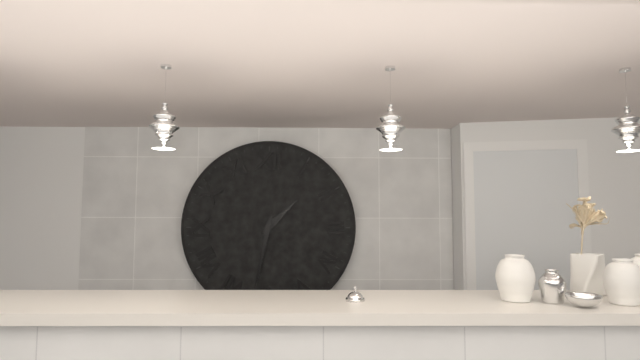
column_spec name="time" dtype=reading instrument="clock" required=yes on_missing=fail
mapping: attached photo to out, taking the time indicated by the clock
1:32
